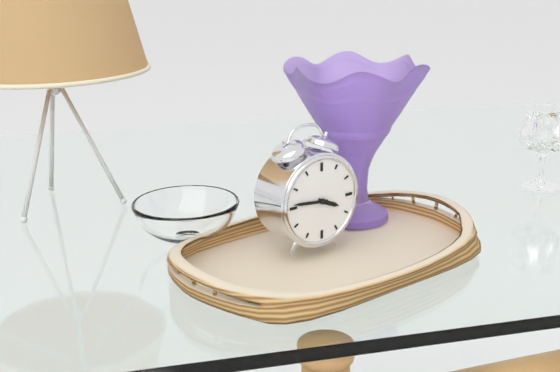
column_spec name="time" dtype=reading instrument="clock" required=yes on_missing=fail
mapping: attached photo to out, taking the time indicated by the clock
3:46
